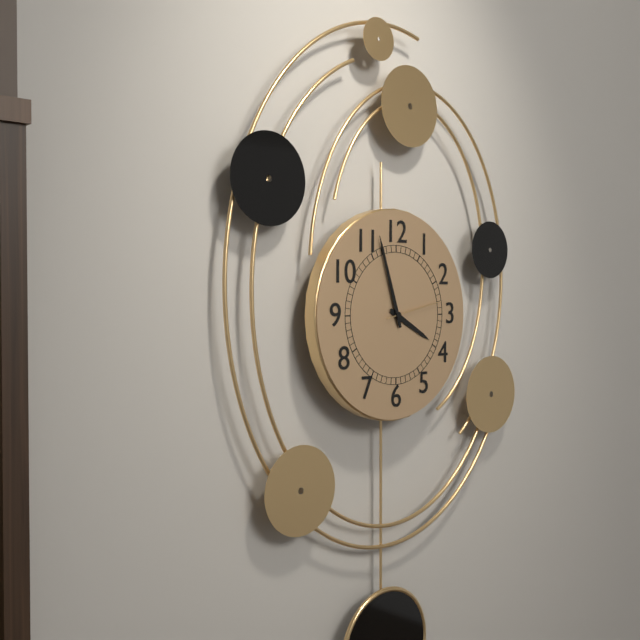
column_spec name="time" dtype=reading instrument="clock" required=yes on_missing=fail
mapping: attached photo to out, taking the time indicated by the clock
3:57:13
